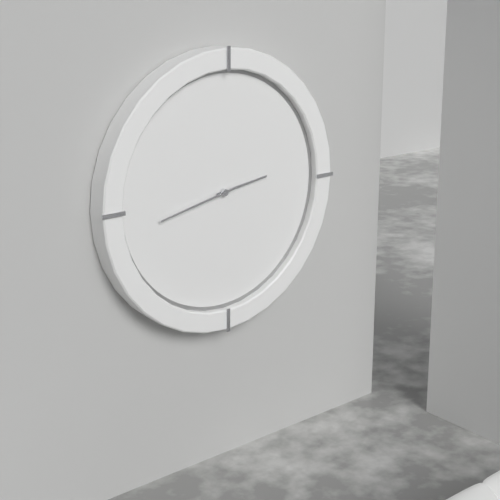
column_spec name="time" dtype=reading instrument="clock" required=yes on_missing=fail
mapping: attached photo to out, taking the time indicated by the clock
2:43
